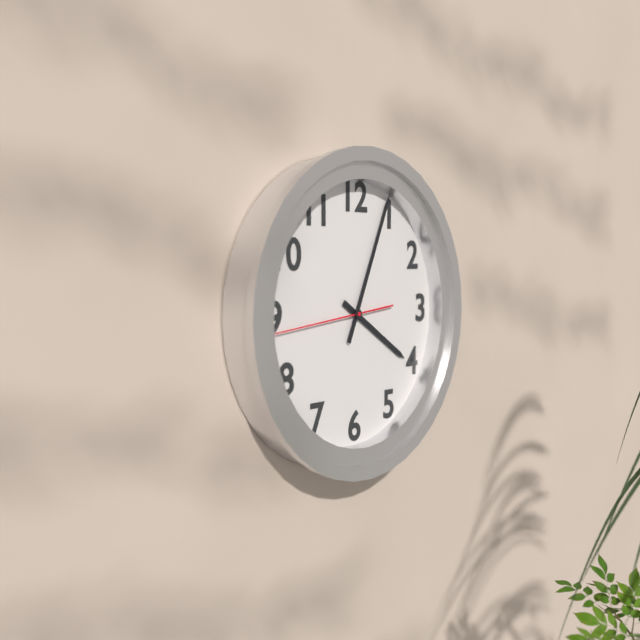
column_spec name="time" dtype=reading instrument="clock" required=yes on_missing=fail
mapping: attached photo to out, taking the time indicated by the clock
4:04:44
